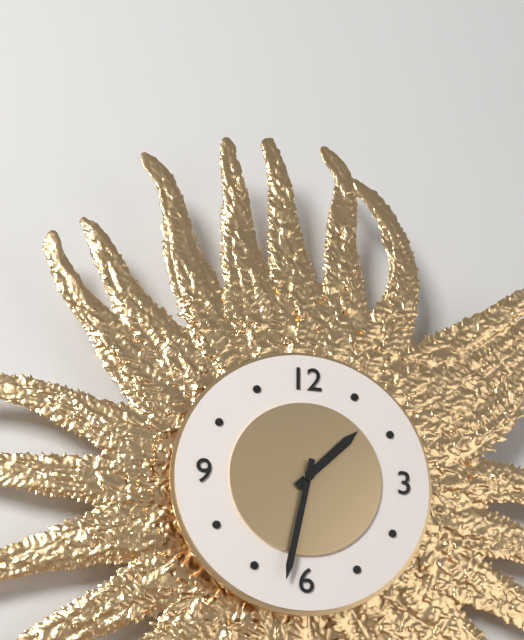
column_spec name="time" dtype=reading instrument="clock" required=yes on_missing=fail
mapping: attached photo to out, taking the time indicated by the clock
1:32
